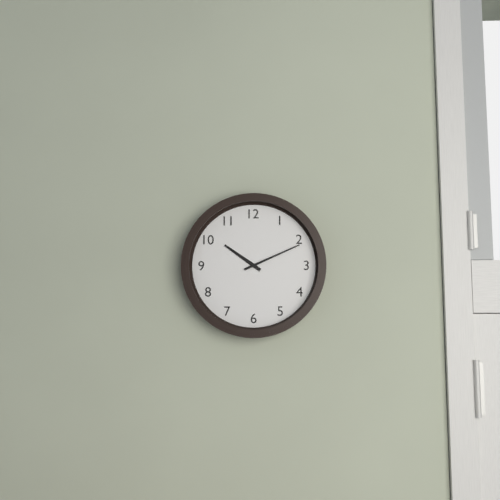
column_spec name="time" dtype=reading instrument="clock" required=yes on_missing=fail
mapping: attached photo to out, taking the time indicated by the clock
10:11
